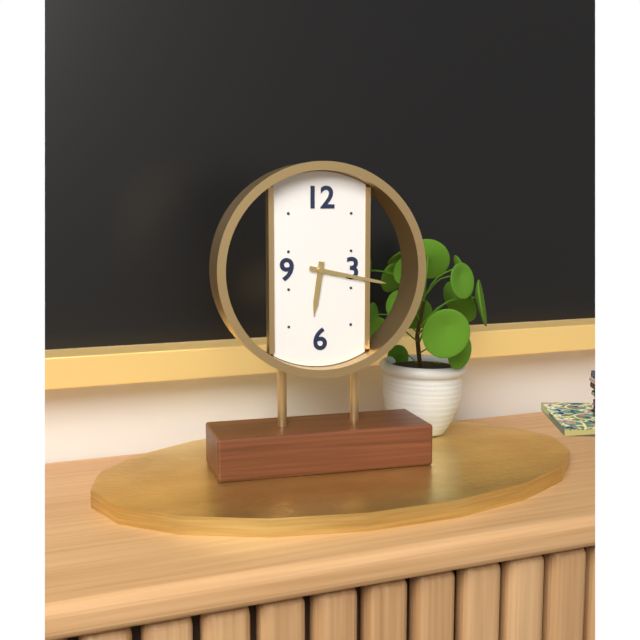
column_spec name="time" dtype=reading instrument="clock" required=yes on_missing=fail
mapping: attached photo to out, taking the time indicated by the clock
6:17
